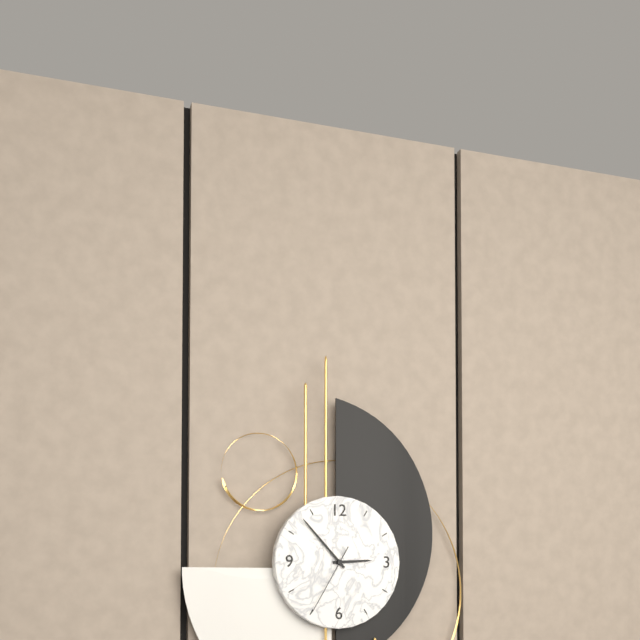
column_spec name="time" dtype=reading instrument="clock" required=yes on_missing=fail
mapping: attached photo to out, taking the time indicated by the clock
2:53:35
